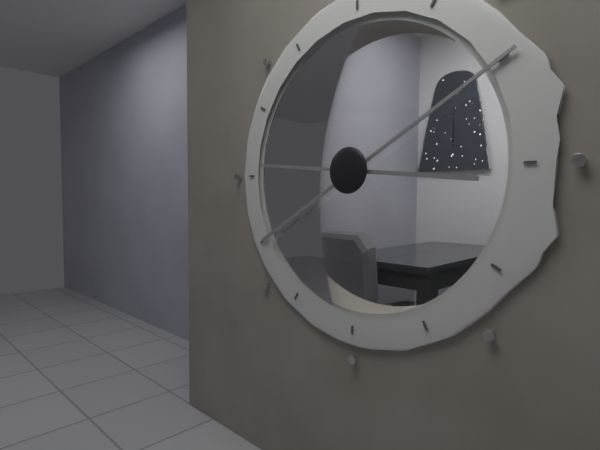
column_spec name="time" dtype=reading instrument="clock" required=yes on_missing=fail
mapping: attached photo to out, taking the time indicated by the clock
9:10
